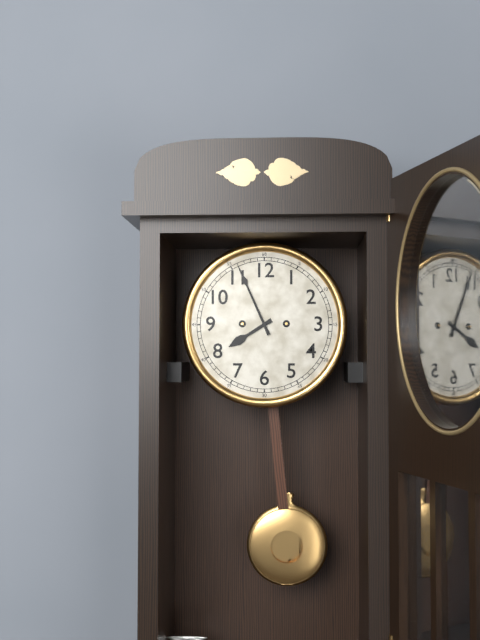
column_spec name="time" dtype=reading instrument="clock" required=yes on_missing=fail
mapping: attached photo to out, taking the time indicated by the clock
7:56
